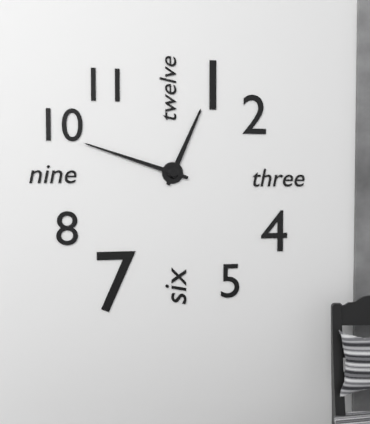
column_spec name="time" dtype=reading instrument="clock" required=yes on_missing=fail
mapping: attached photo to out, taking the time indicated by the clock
12:48
